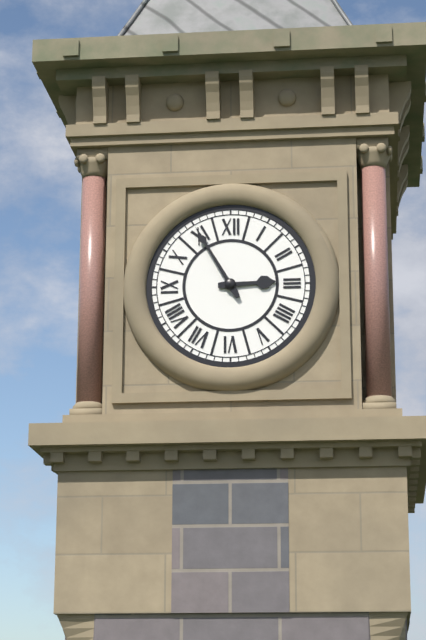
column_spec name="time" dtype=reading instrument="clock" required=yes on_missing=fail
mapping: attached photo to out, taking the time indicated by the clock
2:55
